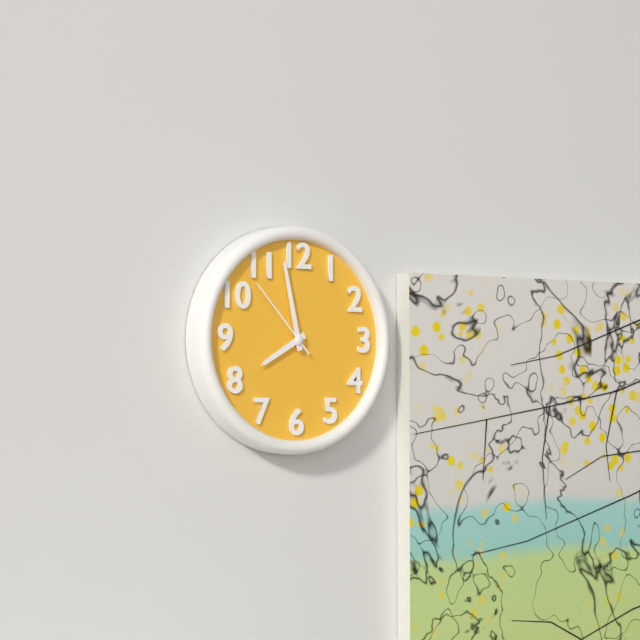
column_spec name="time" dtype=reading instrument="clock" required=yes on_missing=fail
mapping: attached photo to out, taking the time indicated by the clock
7:58:53
